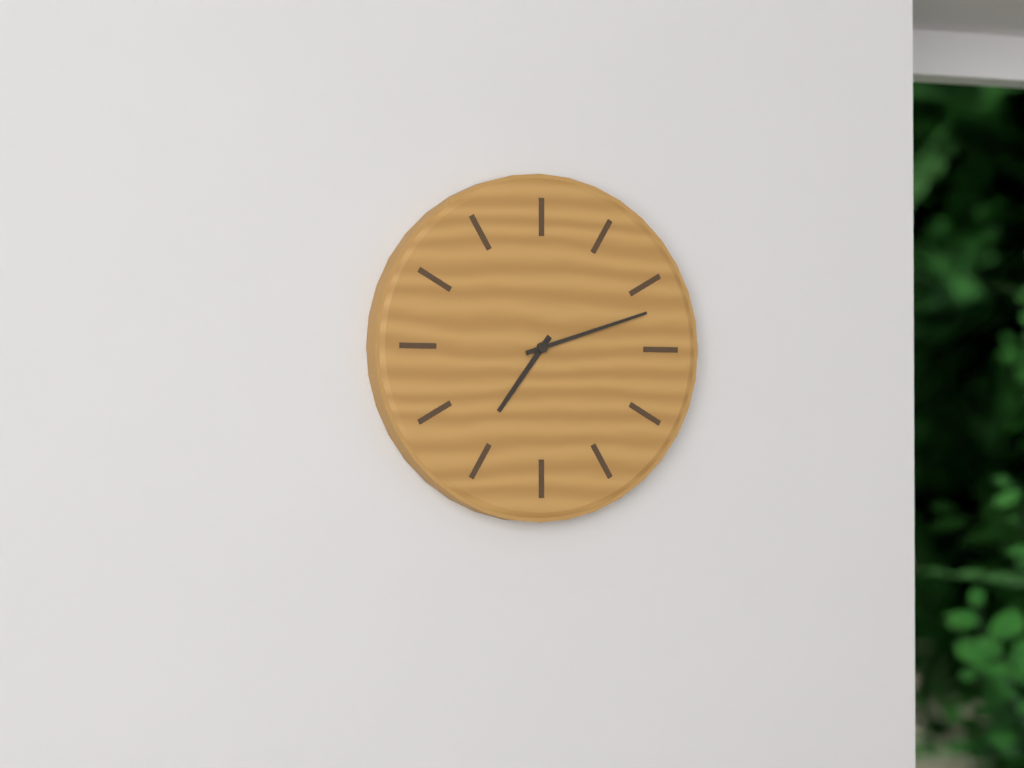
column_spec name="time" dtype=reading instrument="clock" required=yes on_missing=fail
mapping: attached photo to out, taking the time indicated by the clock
7:12
